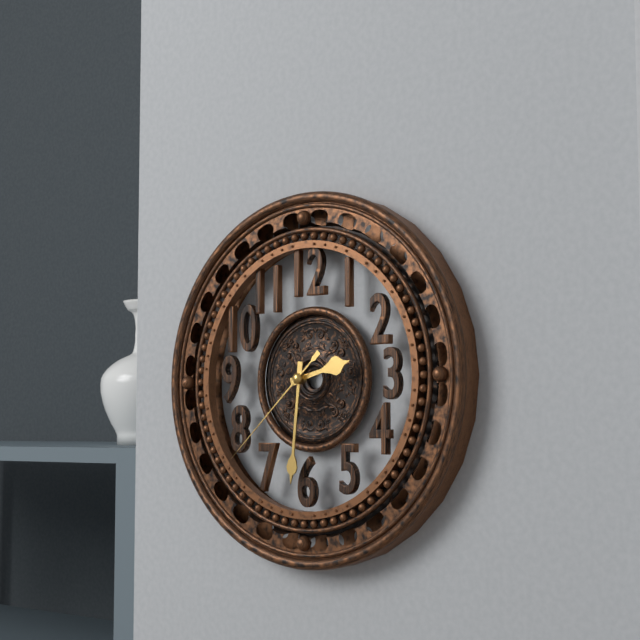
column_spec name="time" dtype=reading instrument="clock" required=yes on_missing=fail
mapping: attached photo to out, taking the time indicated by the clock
2:31:38
